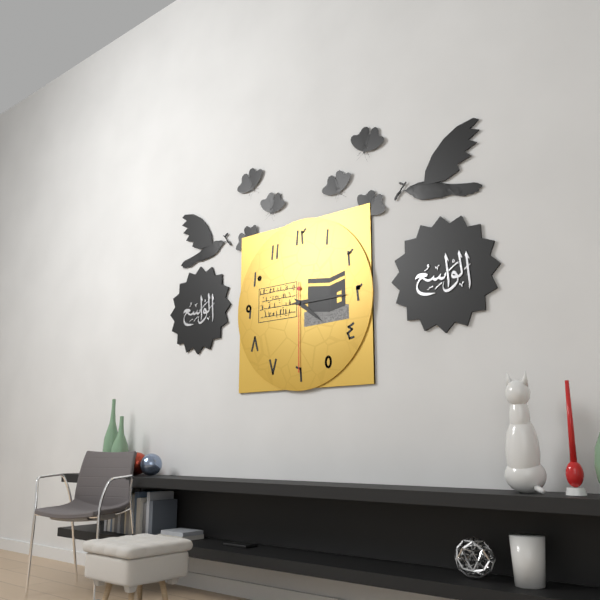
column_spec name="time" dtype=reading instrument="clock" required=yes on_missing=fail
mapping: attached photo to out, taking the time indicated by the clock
4:15:30
